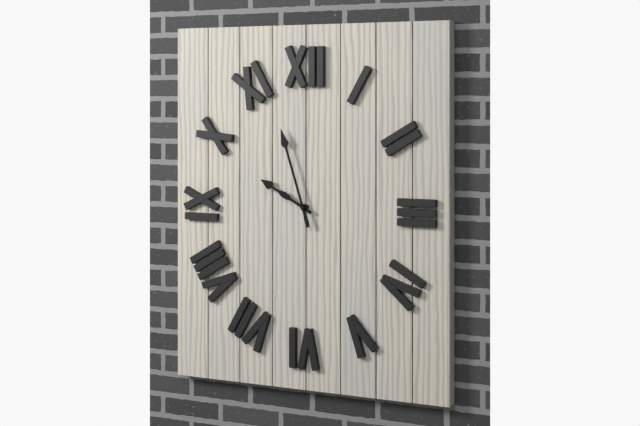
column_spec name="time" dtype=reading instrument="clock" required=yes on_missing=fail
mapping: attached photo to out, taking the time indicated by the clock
9:57
